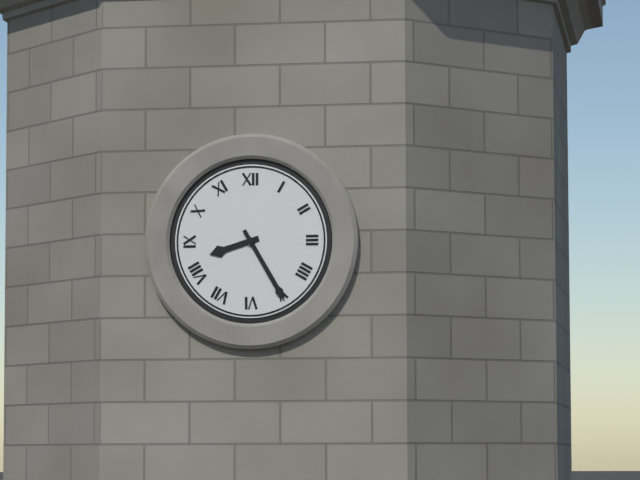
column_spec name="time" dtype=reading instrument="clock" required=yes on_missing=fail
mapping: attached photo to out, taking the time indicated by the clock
8:25
